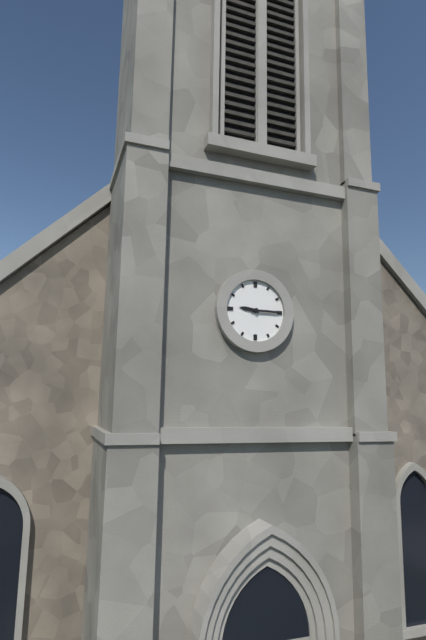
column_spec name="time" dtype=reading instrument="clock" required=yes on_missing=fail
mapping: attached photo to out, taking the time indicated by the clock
9:15
